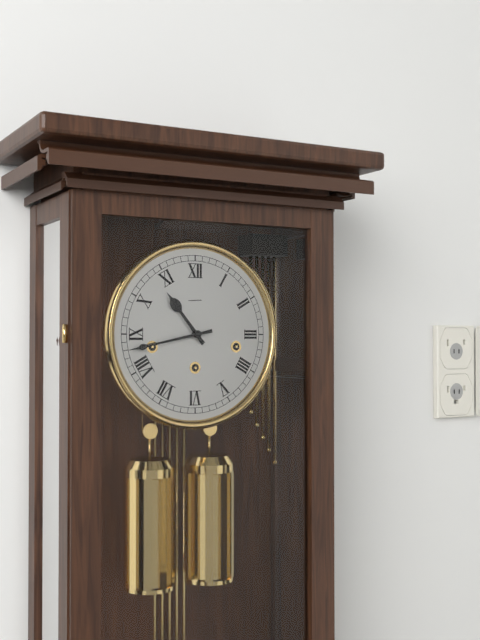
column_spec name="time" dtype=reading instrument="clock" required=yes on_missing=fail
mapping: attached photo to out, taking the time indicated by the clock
10:43
